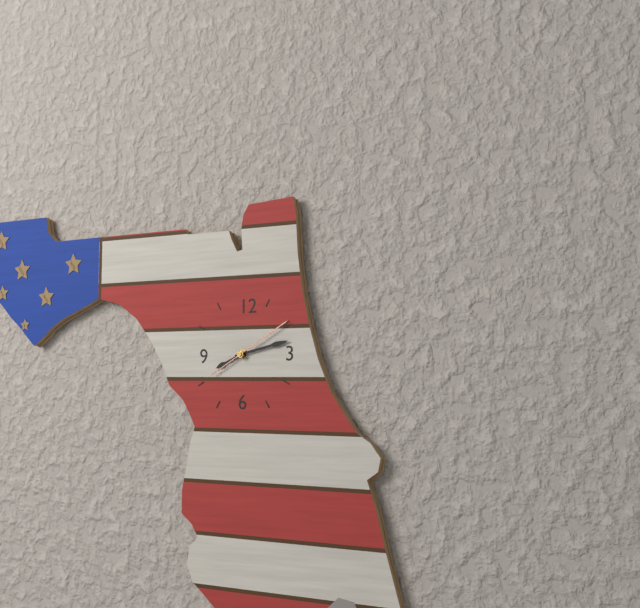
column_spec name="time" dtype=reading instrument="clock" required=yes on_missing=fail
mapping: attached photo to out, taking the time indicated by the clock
8:13:10
